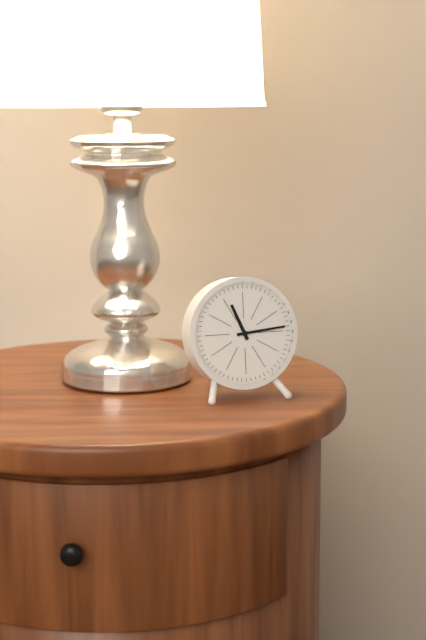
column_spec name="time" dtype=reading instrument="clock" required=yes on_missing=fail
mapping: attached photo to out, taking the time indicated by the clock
11:14
